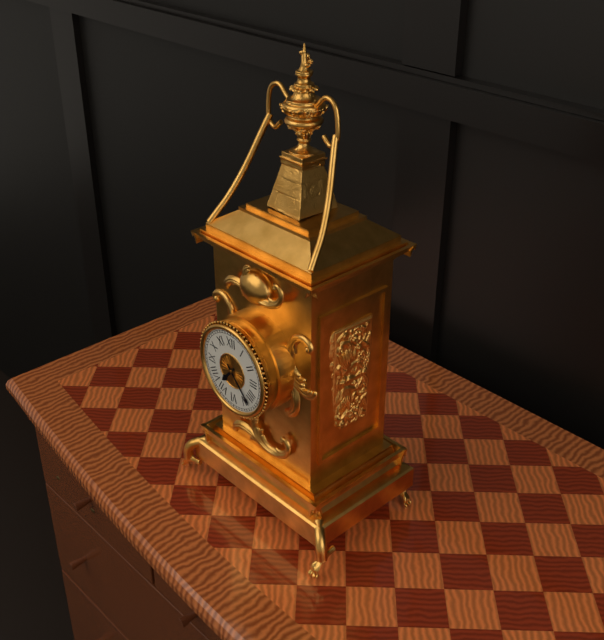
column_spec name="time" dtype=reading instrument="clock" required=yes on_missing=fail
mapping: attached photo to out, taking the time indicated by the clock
7:23
